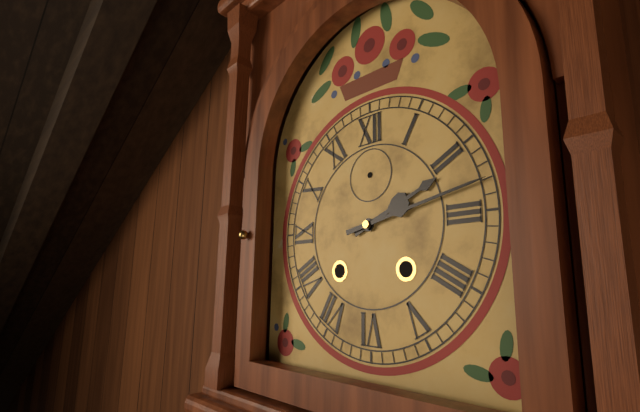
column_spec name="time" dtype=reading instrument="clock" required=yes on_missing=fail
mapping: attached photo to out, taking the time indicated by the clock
2:13
